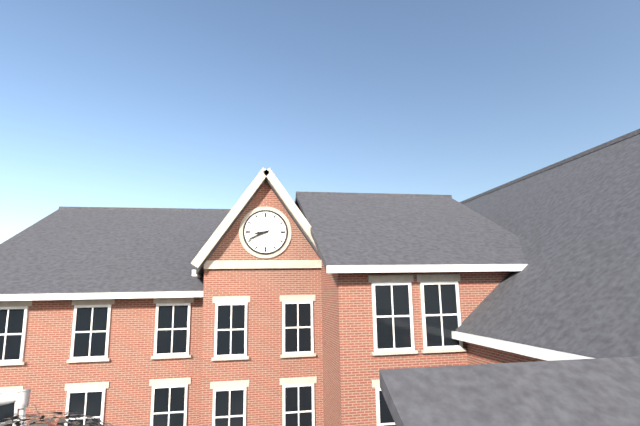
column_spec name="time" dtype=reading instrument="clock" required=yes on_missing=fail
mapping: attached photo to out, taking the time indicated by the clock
8:41
